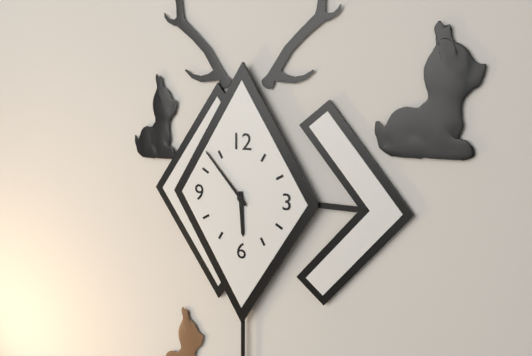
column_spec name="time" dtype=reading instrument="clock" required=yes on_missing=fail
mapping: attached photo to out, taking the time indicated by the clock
5:53
